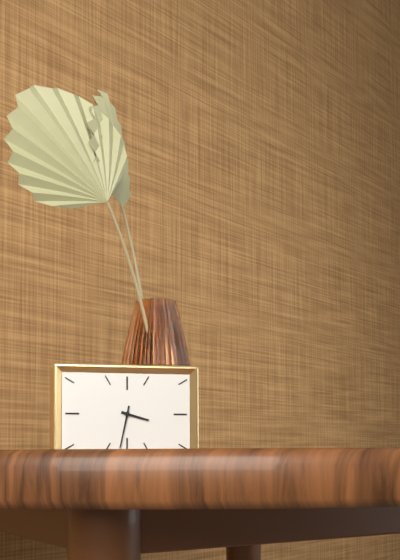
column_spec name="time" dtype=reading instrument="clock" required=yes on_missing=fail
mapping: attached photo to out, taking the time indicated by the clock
3:32
